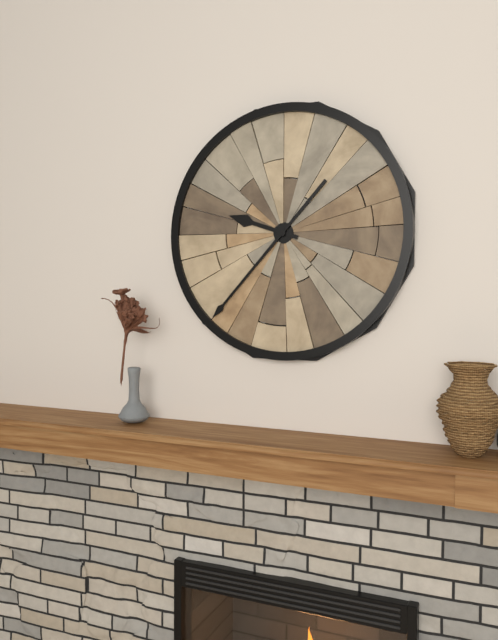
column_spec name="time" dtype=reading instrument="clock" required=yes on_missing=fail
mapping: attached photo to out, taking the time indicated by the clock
9:37
